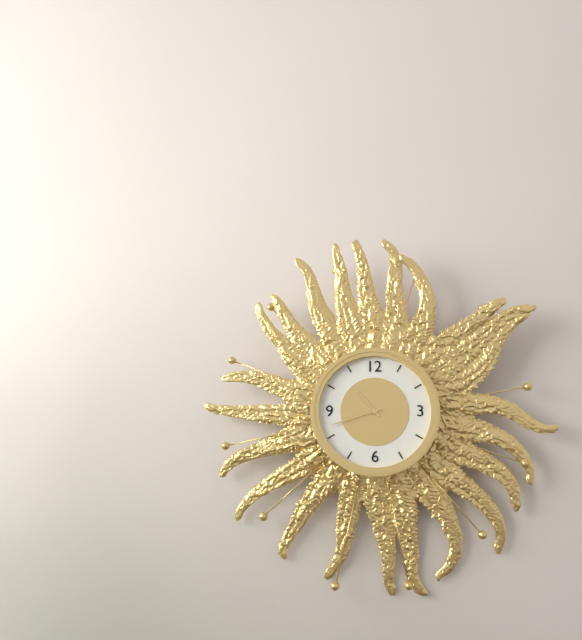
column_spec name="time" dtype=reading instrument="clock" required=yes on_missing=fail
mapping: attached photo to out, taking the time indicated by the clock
10:42
